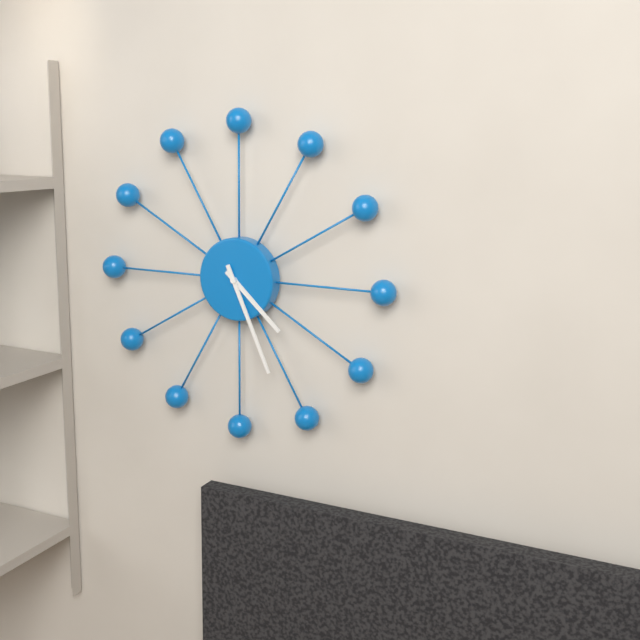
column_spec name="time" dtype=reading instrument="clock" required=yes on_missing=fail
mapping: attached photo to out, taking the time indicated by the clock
4:26
